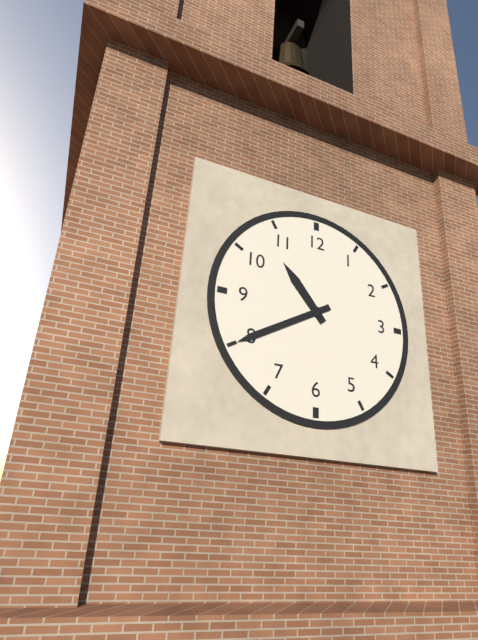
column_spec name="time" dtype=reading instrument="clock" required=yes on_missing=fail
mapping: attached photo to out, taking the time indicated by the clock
10:40
